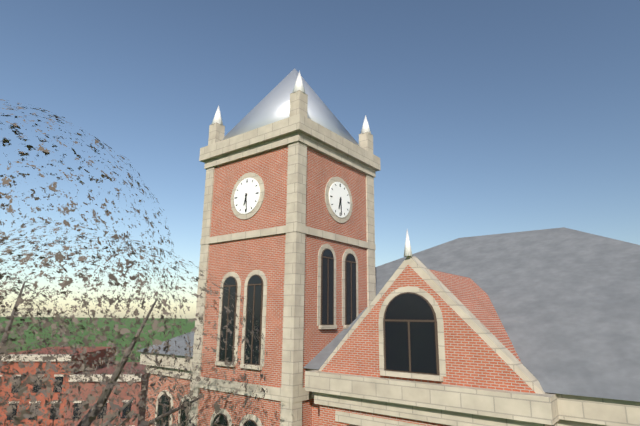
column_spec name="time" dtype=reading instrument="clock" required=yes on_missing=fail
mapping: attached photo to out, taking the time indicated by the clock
6:29
